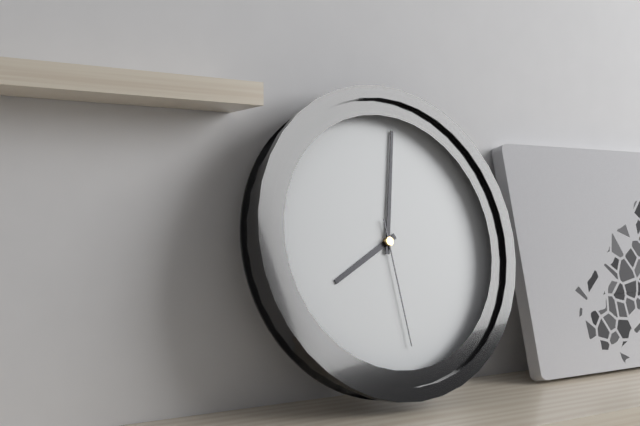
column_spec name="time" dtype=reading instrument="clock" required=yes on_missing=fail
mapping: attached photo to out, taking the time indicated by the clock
8:02:29
